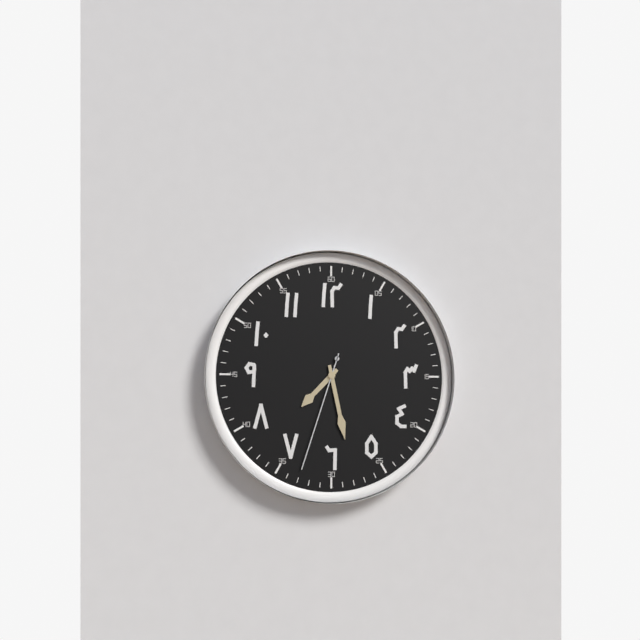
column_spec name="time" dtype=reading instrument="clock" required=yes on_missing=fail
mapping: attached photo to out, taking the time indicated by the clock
7:28:33
